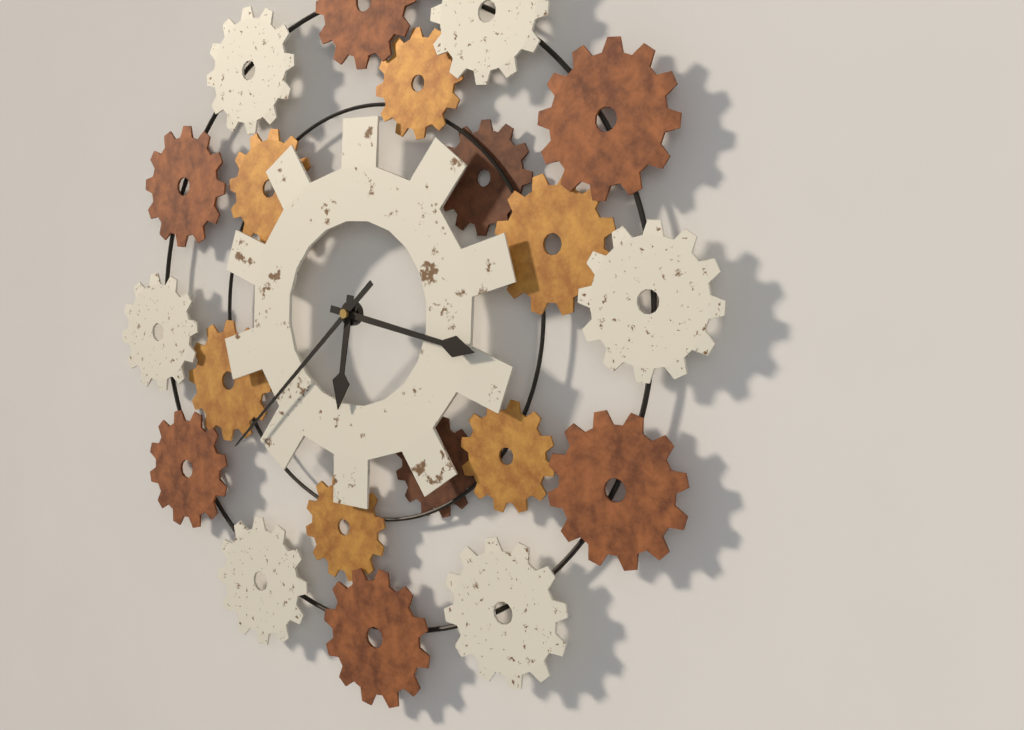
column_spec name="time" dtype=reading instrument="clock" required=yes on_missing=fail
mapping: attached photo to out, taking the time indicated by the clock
6:17:38
